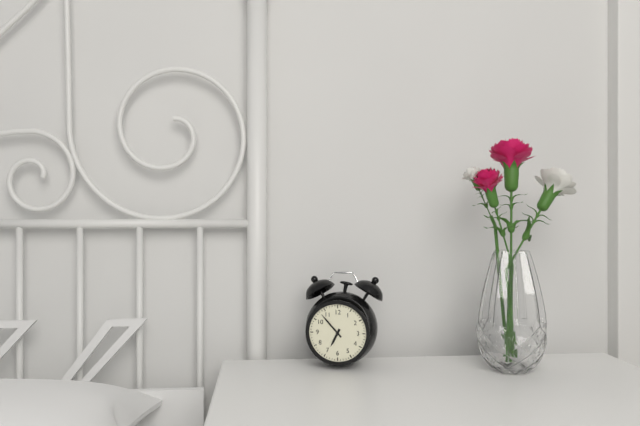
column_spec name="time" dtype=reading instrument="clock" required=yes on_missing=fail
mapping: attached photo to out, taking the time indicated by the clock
6:53
